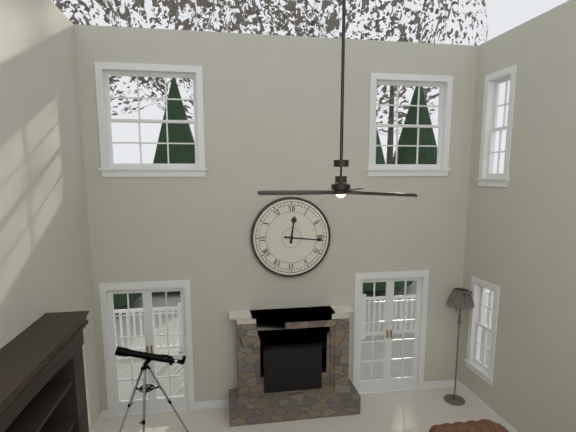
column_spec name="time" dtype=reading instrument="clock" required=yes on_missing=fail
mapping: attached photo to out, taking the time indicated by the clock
12:16
